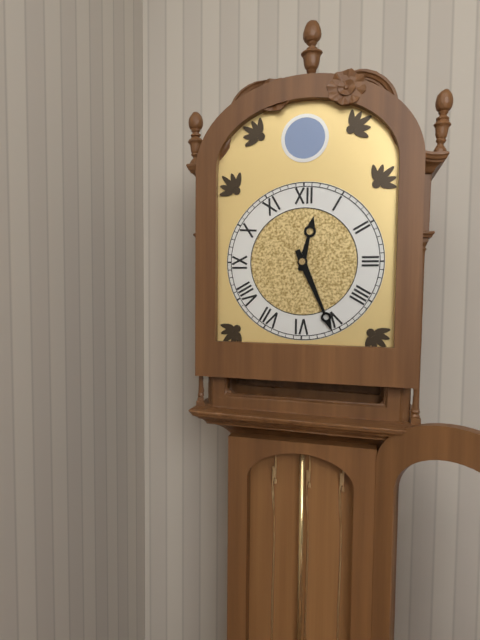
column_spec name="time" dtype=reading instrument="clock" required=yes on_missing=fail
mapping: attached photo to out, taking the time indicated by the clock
12:26
